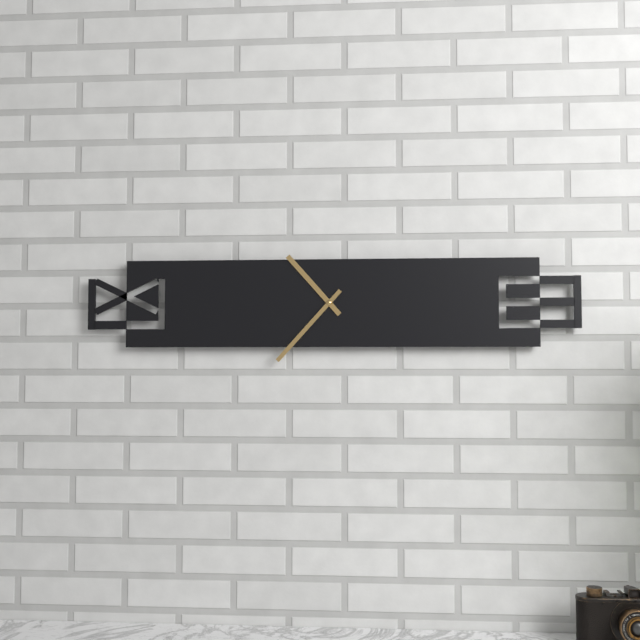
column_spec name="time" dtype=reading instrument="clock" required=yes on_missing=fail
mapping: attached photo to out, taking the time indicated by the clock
10:37
